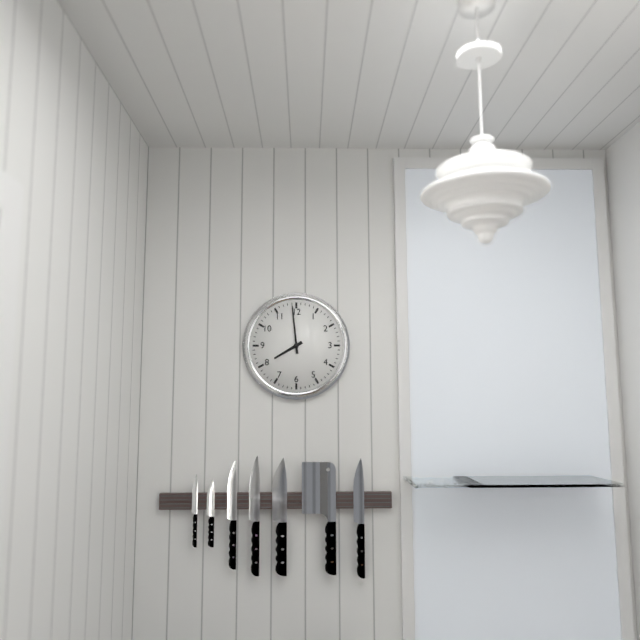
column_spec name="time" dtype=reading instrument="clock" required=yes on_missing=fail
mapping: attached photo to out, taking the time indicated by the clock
7:59
